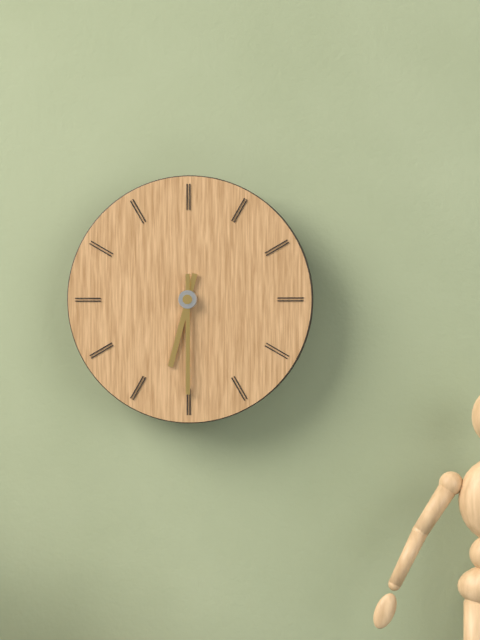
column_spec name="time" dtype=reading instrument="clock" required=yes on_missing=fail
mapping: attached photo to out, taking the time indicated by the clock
6:30
